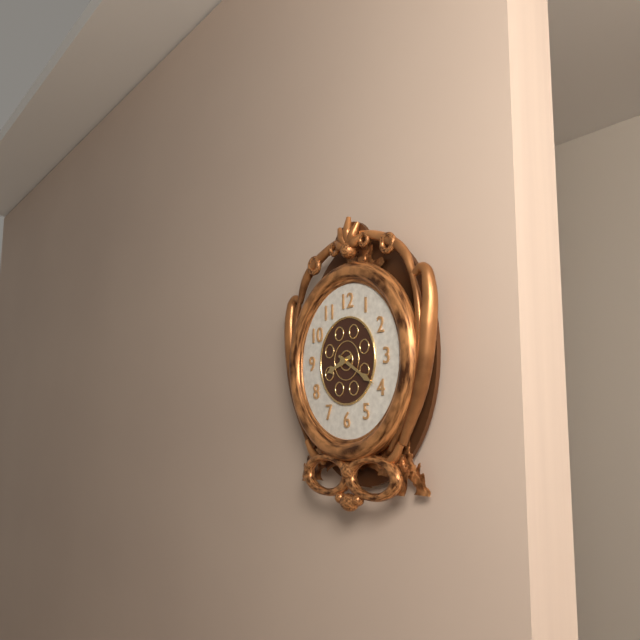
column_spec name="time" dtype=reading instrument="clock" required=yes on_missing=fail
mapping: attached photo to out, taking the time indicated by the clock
8:20
